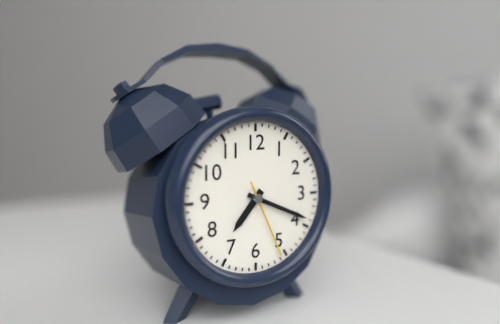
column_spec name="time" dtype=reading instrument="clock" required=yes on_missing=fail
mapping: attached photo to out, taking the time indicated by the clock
7:19:26
